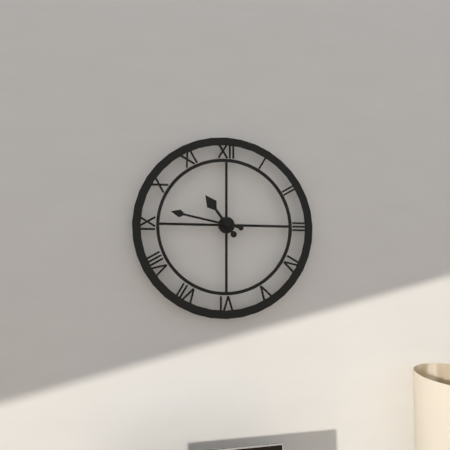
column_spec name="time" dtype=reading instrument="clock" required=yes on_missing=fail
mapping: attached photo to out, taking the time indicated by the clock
10:47
